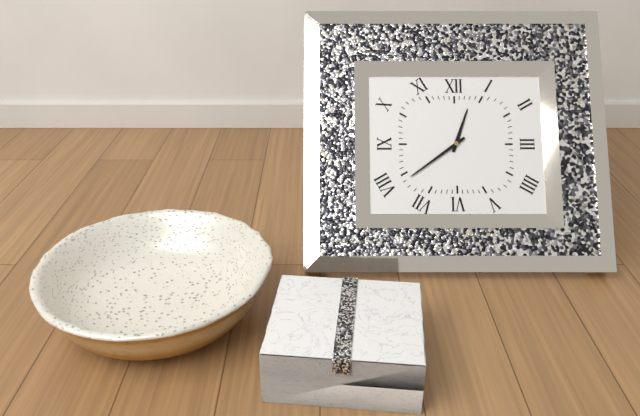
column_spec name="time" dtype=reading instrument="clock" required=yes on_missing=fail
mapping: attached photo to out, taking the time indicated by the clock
12:39
